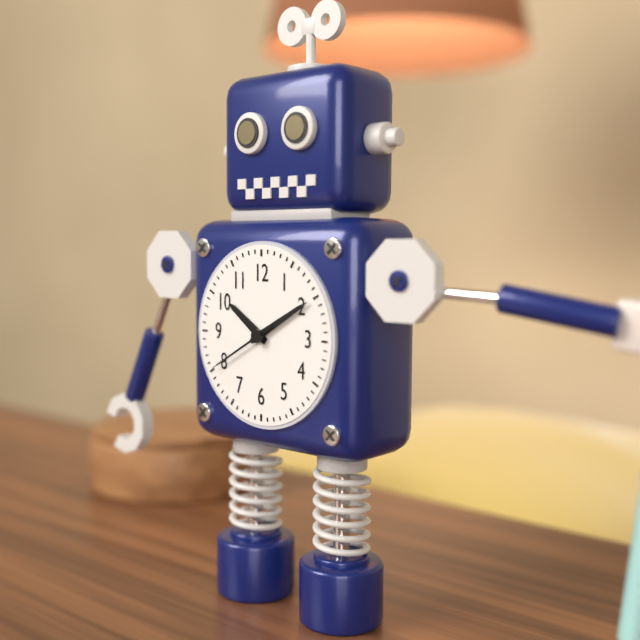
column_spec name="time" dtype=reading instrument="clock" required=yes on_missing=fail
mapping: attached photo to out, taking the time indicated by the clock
10:10:40
